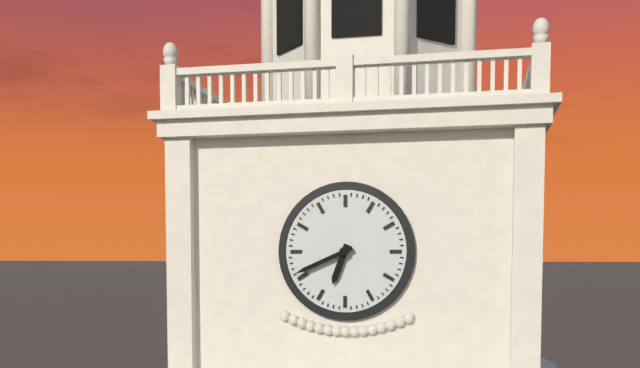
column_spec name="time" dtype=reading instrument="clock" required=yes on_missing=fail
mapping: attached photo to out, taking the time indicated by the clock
6:41
